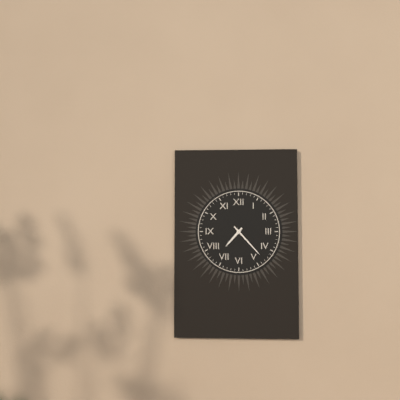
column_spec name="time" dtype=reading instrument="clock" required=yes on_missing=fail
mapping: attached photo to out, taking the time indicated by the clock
7:23
